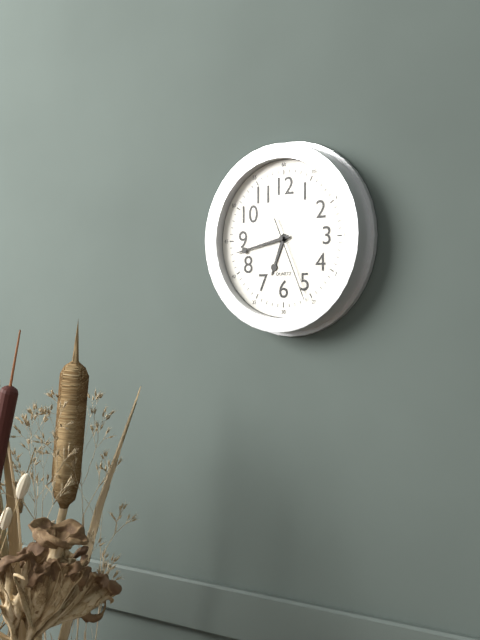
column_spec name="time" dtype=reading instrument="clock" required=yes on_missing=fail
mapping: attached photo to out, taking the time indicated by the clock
6:43:26
